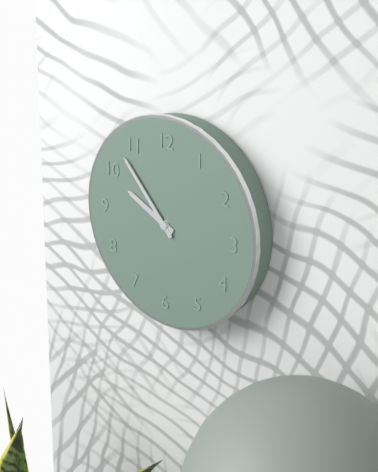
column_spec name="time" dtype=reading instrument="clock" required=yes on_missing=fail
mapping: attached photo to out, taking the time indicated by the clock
9:53
